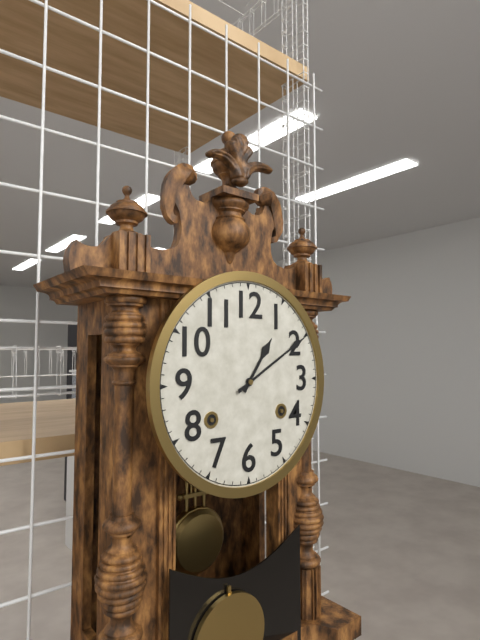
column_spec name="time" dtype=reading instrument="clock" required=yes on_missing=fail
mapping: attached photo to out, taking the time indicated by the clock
1:10
